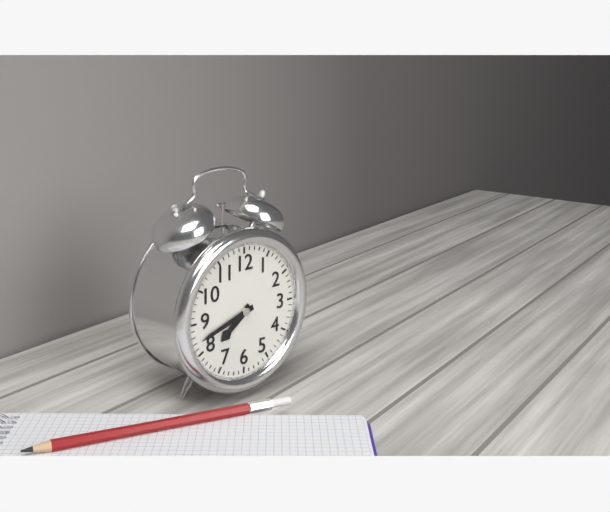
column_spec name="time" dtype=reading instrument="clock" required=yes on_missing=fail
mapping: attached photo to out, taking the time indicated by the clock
7:42
